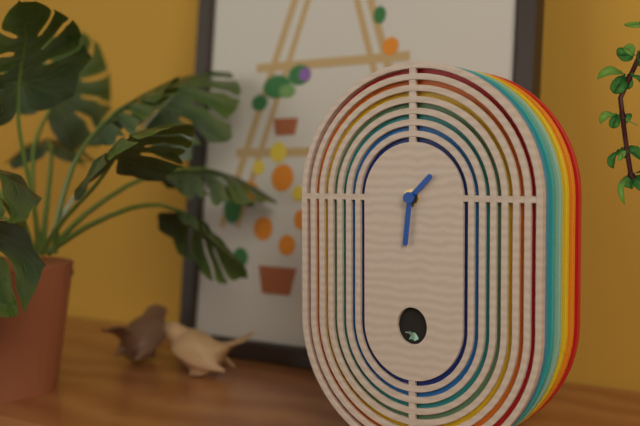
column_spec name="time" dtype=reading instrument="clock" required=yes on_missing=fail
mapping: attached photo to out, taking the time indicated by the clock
1:31
